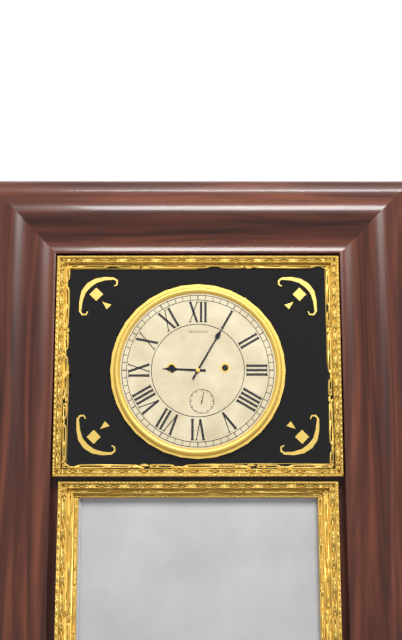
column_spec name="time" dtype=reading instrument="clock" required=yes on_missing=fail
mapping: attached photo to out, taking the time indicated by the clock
9:05
